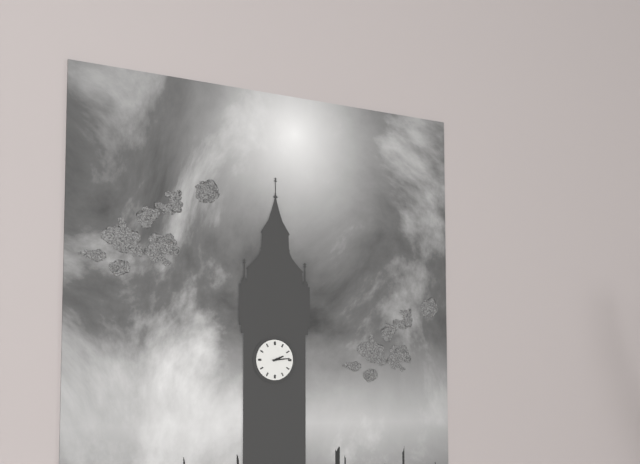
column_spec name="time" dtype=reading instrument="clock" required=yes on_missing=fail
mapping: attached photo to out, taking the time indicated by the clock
2:14
